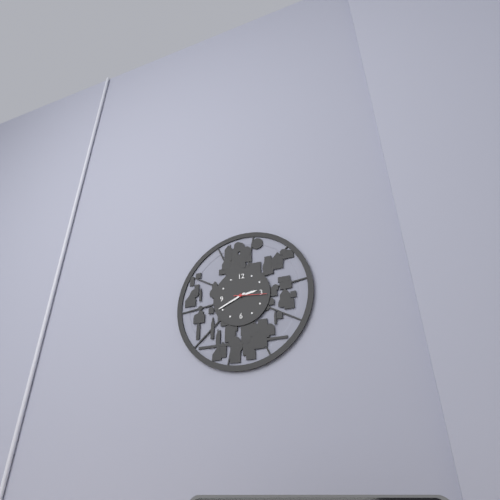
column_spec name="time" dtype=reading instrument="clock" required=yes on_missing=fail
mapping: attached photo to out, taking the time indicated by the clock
2:41
